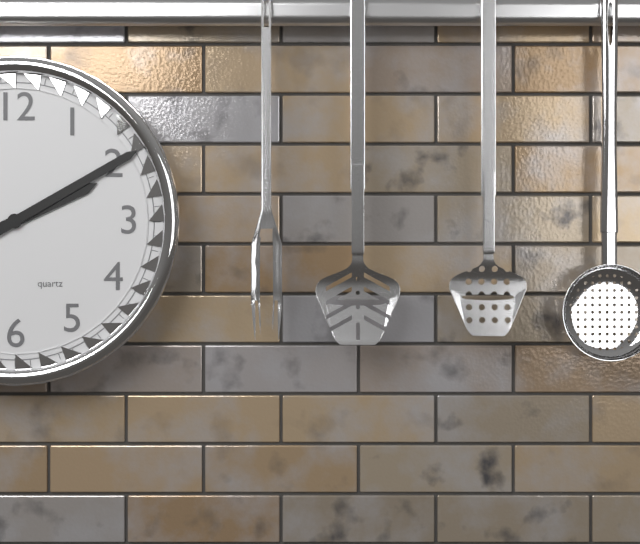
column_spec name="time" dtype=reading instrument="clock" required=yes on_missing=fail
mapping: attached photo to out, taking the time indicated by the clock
2:10
